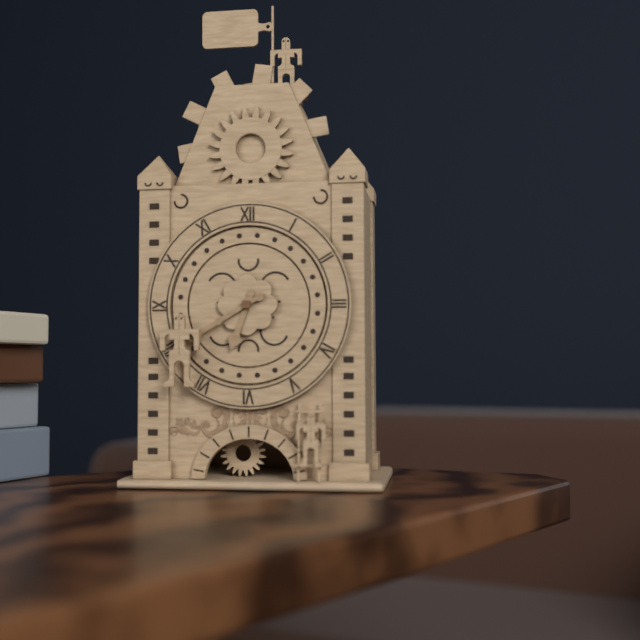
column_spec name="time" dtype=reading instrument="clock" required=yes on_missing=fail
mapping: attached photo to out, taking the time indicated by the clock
6:40
